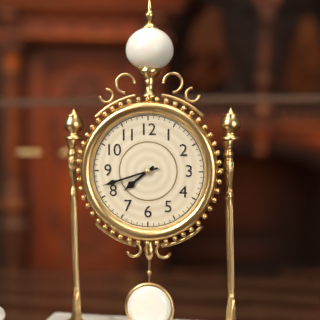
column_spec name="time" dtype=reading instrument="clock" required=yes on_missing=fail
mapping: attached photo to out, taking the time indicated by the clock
7:42
